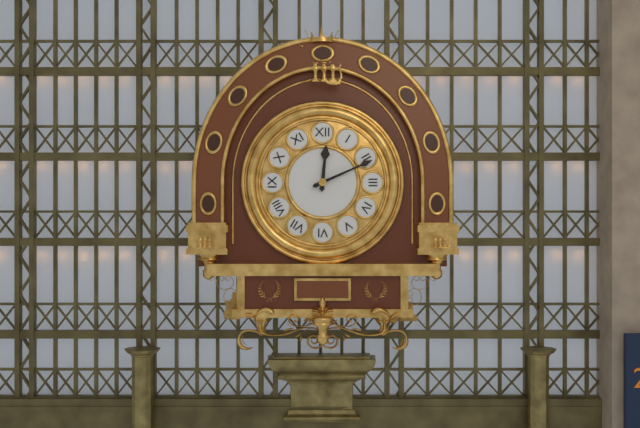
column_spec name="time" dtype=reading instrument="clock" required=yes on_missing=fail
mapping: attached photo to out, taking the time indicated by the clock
12:11
